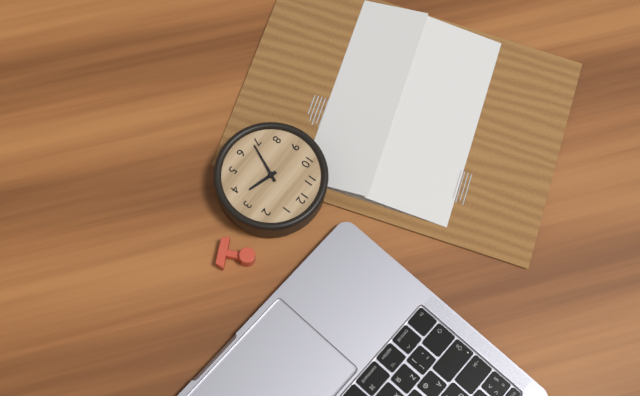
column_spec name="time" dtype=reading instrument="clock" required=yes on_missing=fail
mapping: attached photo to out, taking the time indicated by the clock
3:34
